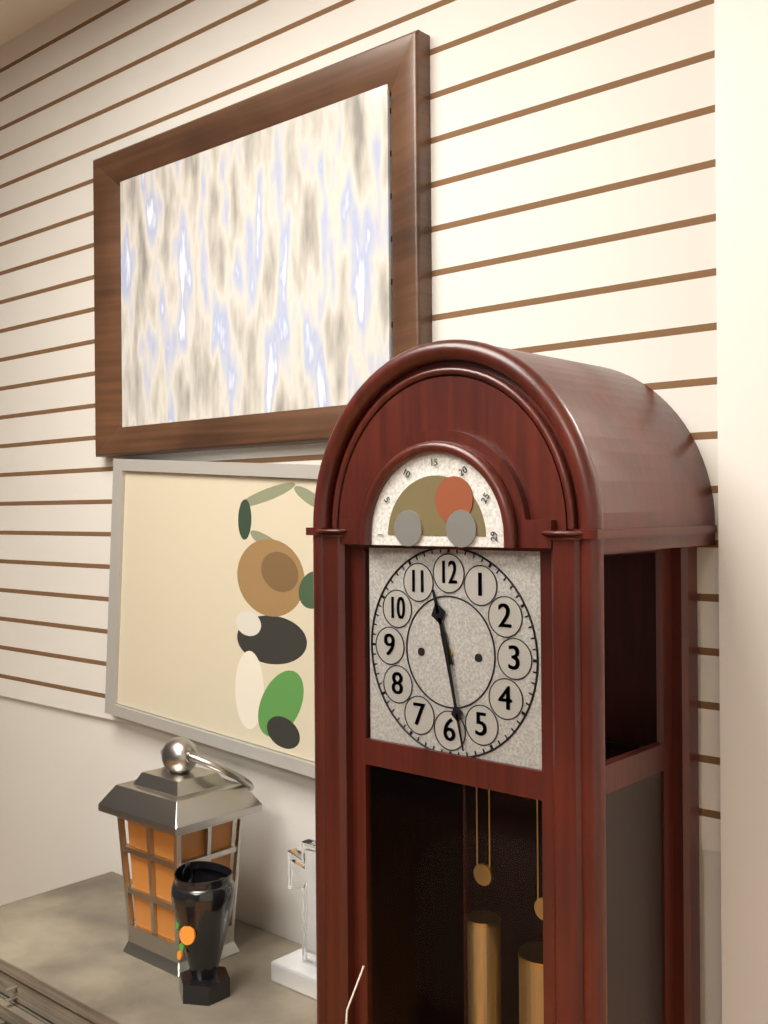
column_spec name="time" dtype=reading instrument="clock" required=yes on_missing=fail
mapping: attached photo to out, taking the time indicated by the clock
11:28
